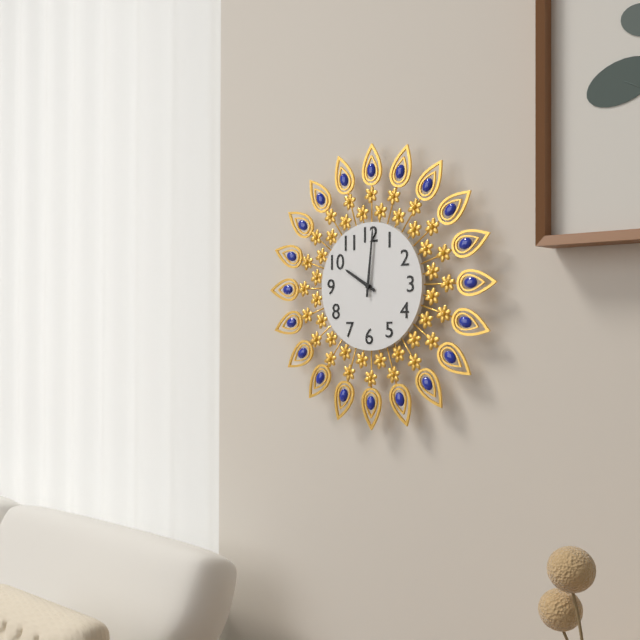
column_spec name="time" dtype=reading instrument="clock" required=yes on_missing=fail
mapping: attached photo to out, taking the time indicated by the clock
10:01
